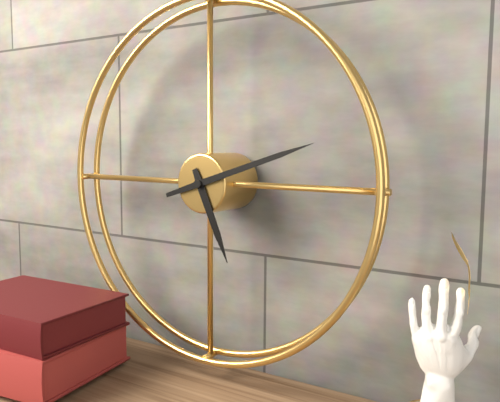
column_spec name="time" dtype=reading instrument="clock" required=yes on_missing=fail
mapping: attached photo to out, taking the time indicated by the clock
5:12
